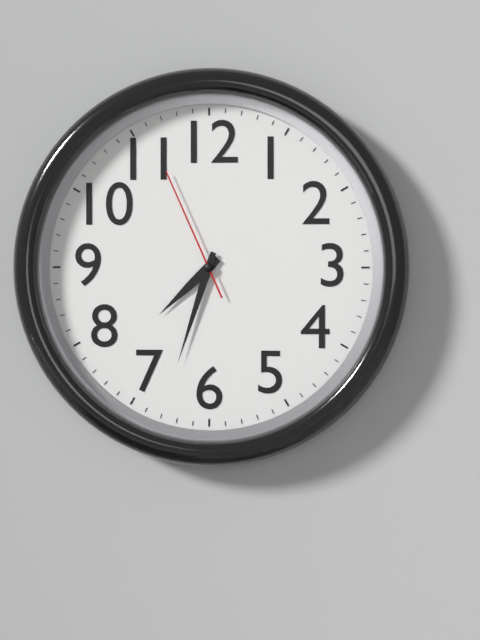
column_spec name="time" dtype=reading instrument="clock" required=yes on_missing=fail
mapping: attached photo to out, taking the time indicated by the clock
7:33:56
